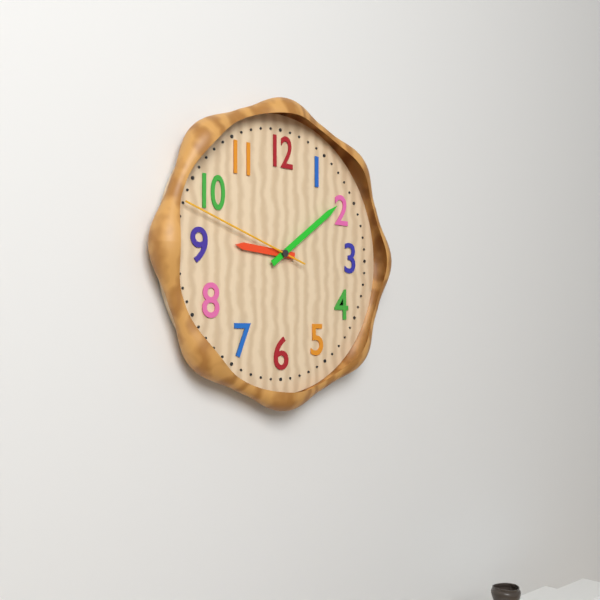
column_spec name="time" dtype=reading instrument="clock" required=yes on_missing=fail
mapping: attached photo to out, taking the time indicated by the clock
9:09:48
